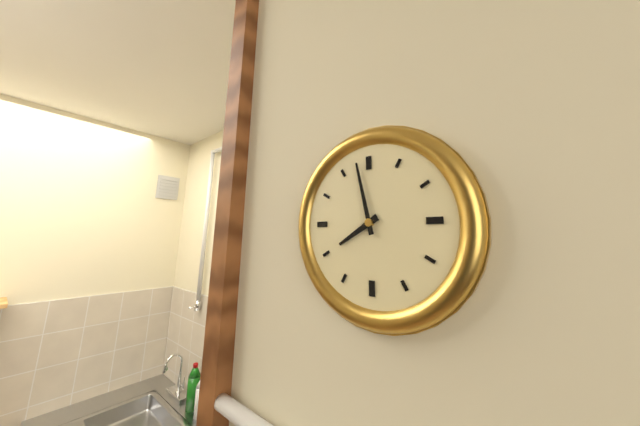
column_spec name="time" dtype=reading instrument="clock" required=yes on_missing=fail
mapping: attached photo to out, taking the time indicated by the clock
7:58
